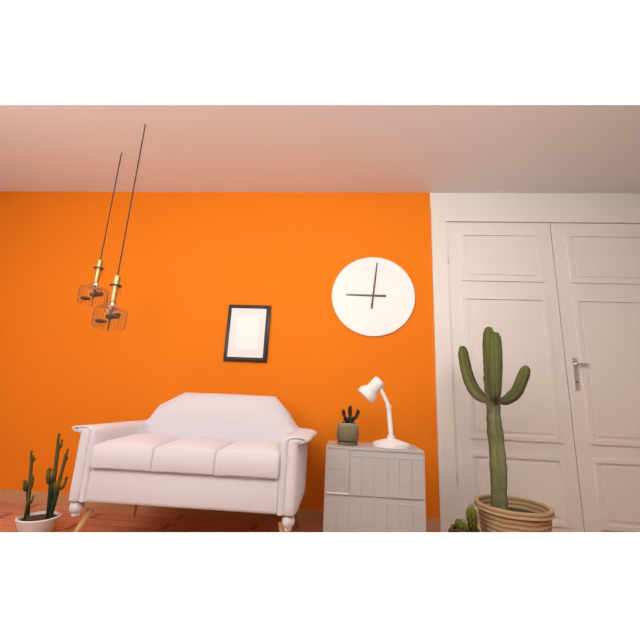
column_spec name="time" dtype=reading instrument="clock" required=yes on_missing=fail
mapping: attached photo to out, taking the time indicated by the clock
9:01
